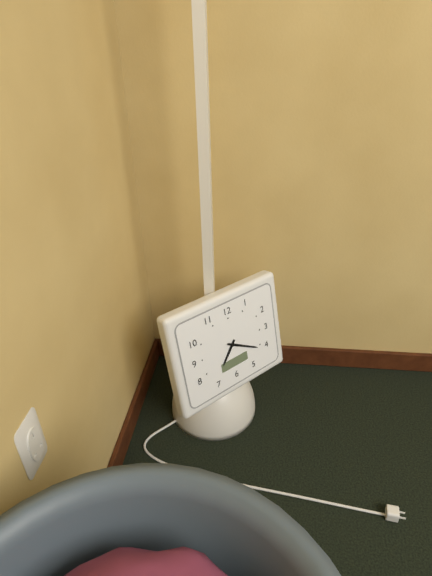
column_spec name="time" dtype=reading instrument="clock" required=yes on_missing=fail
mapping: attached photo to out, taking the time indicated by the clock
7:20
